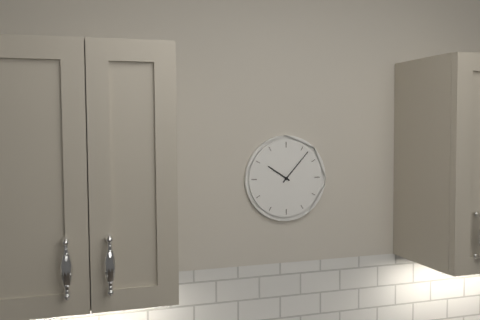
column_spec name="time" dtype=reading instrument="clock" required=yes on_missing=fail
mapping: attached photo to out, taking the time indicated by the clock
10:07
